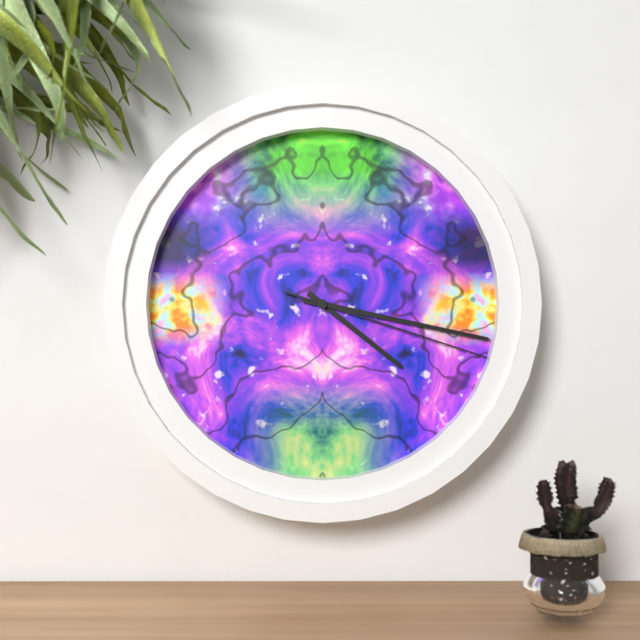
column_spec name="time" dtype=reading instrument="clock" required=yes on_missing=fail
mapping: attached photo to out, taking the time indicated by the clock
4:17:18
